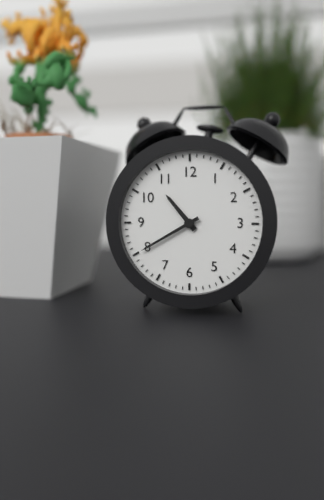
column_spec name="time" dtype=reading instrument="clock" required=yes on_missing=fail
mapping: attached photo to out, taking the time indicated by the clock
10:40
